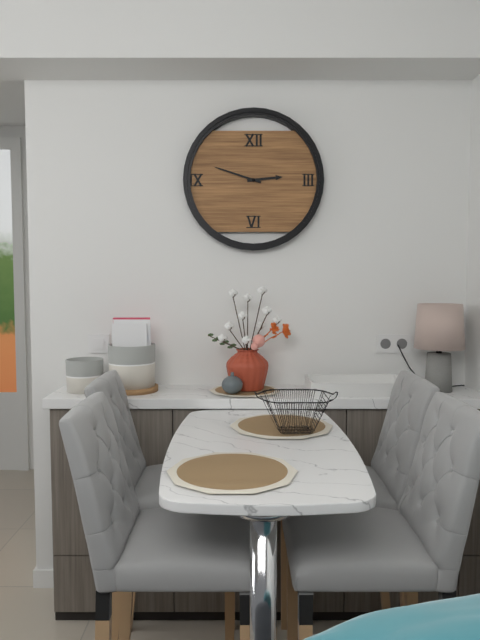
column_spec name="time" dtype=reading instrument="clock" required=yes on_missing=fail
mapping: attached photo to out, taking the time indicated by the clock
2:48
